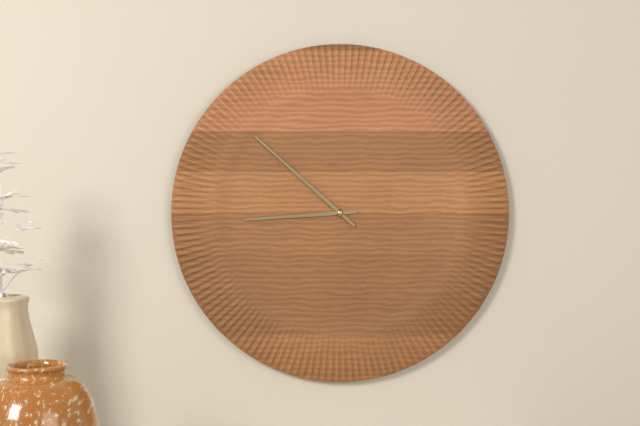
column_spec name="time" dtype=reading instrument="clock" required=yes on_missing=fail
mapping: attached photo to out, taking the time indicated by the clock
8:52
